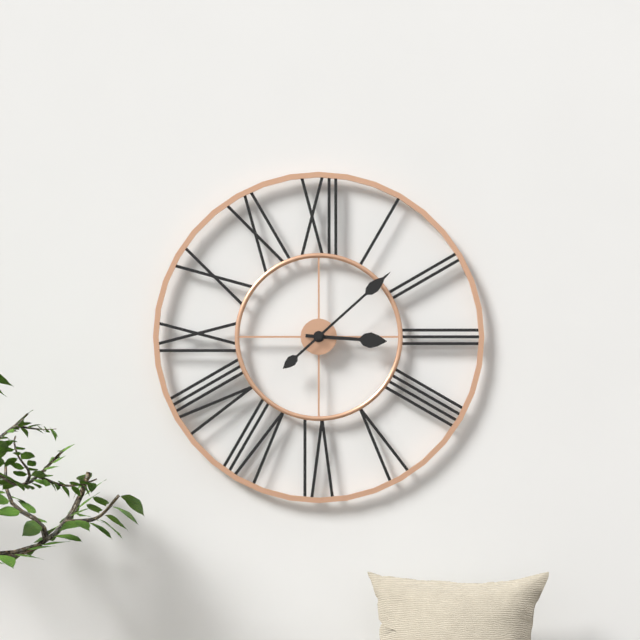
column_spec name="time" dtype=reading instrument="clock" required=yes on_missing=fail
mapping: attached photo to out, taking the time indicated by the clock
3:08
